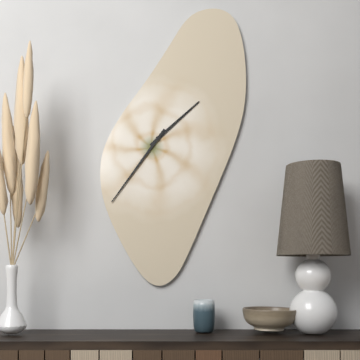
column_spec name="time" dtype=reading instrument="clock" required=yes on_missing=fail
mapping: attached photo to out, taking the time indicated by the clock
1:36
